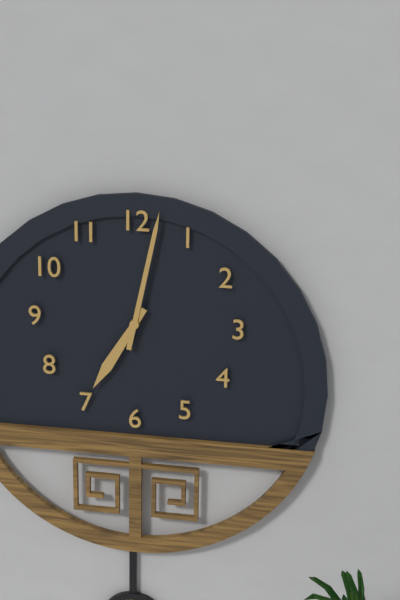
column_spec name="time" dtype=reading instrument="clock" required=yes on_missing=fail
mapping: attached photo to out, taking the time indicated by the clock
7:02
